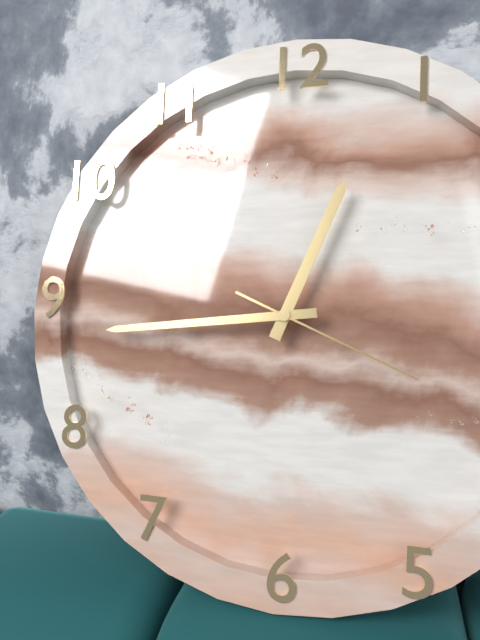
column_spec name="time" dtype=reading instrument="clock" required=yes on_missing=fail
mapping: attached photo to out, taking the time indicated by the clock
12:44:19
